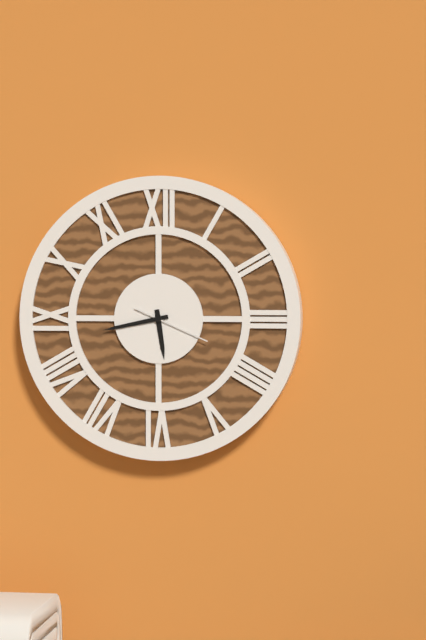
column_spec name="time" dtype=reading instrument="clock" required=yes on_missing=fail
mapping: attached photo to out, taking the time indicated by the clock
5:43:19
